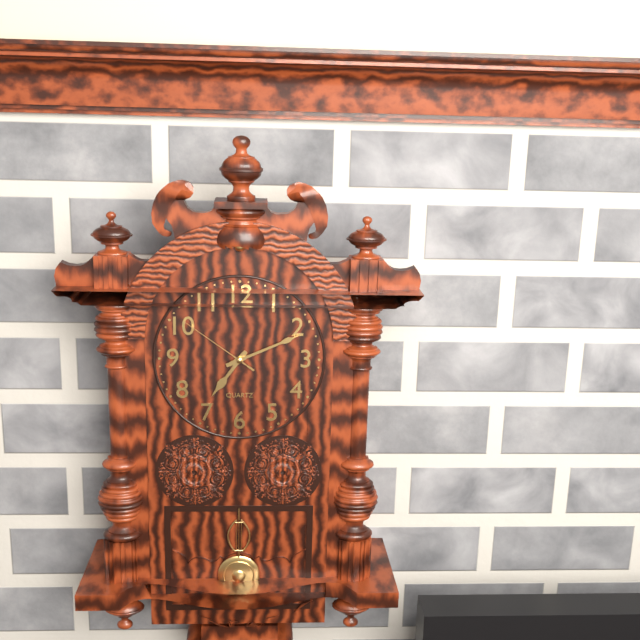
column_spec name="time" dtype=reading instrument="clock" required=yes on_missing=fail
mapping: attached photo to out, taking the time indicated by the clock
7:11:51
